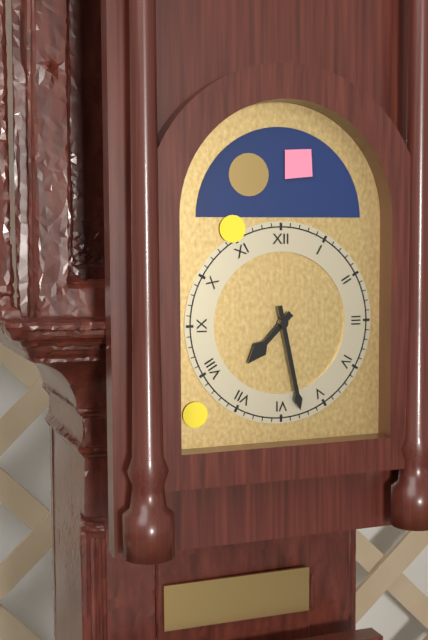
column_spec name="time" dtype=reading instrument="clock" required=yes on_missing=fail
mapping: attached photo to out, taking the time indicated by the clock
7:28
